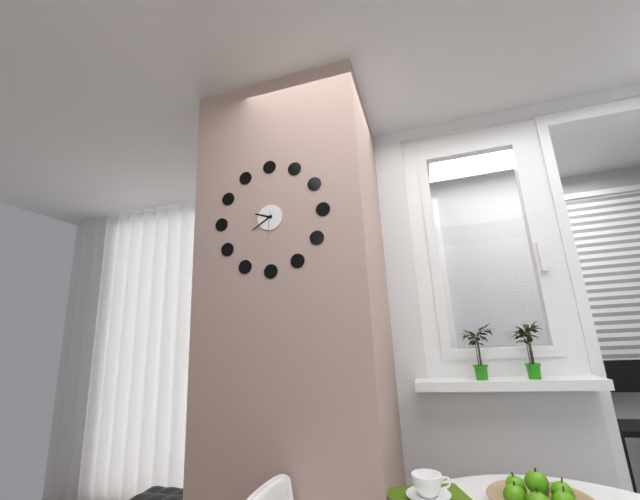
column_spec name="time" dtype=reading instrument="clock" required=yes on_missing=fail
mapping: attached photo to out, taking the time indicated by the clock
9:40
